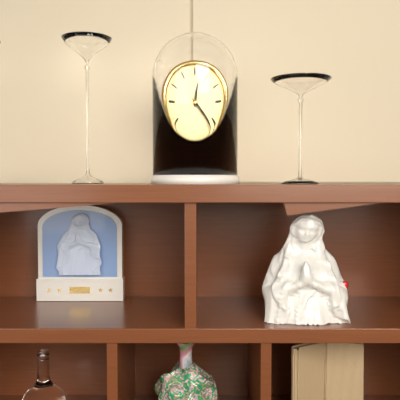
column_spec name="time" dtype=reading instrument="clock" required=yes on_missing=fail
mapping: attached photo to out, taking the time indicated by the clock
12:22
